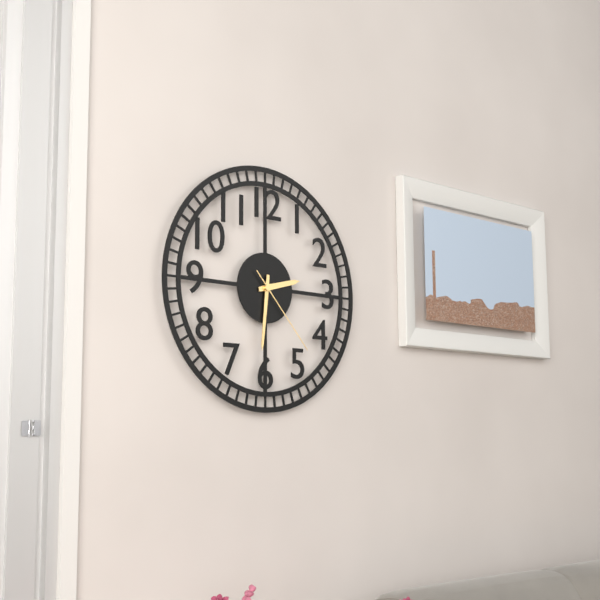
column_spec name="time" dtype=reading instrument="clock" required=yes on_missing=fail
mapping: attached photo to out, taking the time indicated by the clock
2:31:23
